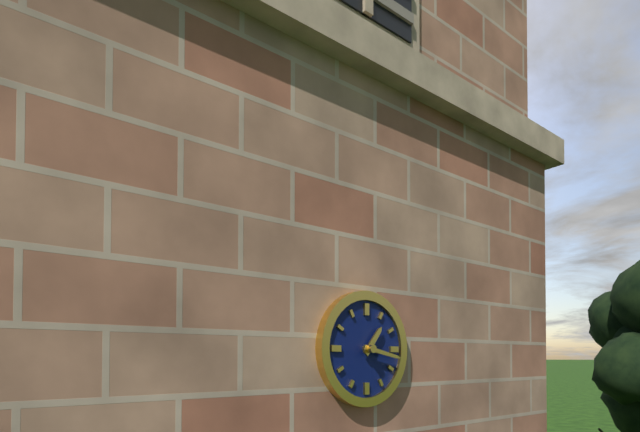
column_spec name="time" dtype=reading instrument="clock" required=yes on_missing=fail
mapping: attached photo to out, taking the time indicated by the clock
1:17
